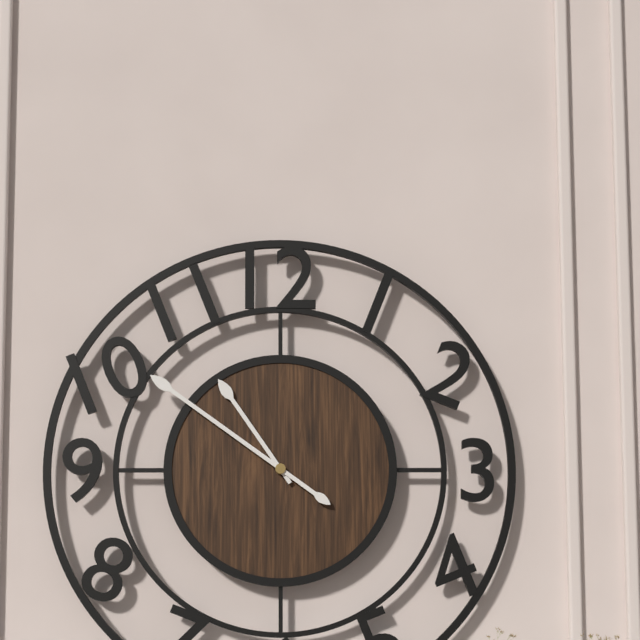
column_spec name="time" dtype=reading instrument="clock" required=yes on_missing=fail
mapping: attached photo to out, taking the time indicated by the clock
10:51
